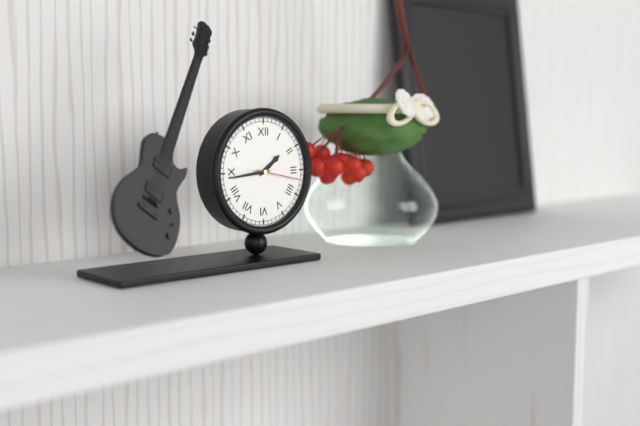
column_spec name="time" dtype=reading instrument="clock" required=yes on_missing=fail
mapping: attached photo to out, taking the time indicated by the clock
1:44
